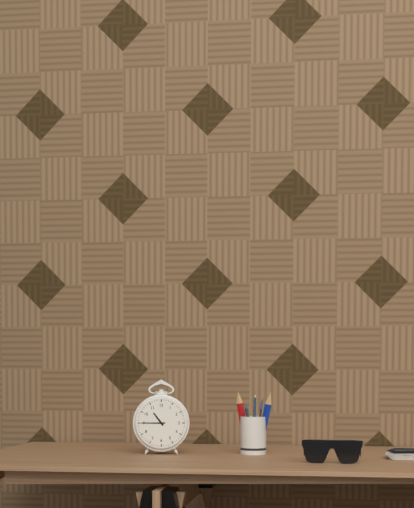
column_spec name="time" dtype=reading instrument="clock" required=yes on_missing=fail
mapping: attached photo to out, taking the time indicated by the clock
10:45
